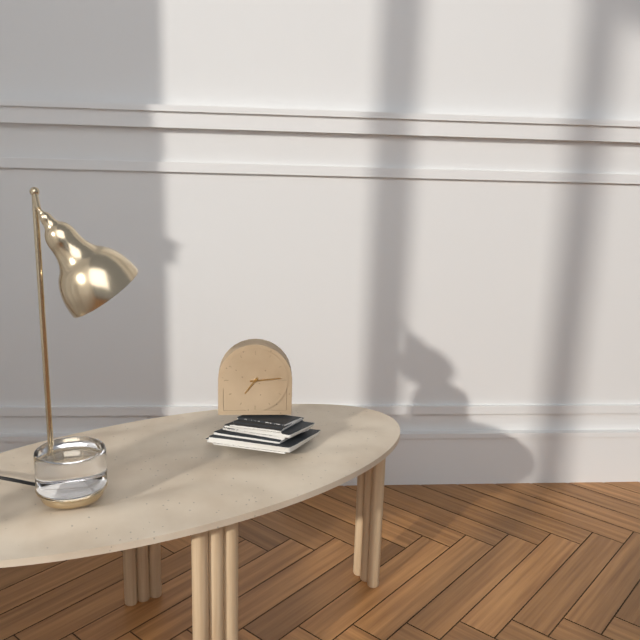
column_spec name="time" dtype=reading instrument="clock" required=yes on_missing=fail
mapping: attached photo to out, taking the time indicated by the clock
7:14
